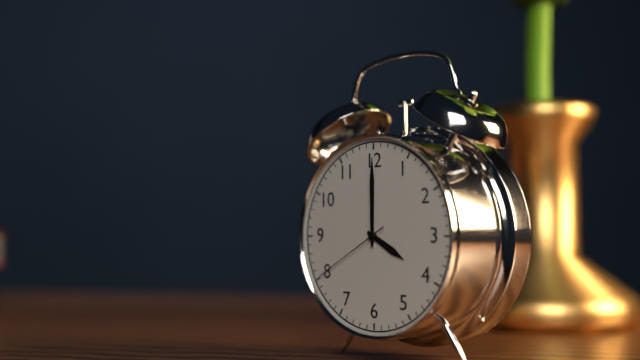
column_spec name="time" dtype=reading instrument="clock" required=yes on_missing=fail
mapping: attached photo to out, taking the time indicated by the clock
4:00:40
